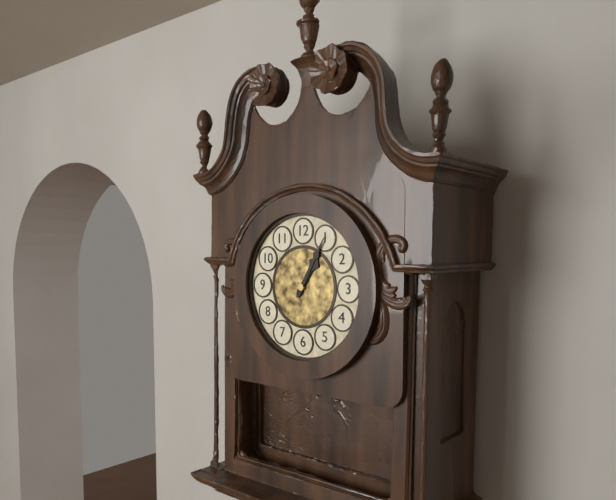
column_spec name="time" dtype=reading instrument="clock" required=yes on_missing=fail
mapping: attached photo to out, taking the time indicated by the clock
1:05
